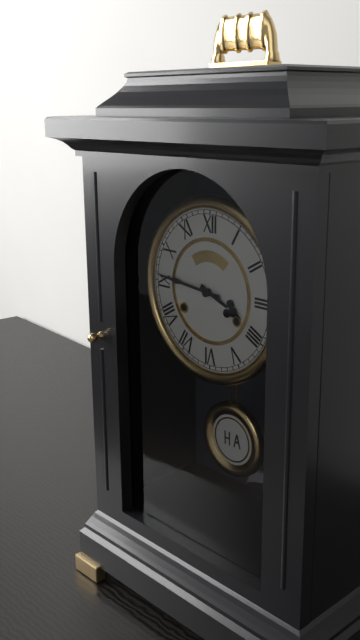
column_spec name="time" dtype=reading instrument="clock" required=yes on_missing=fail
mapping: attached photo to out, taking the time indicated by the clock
3:46
